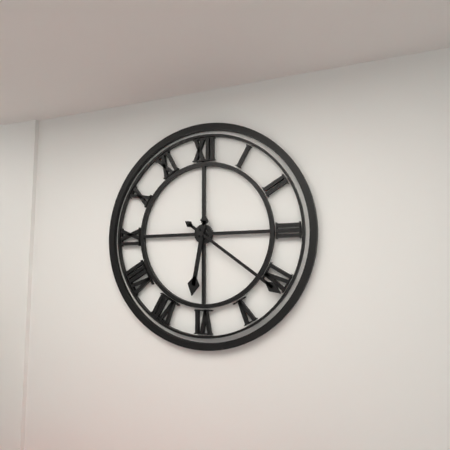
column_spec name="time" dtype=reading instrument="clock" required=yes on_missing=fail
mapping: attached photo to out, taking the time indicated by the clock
6:21
